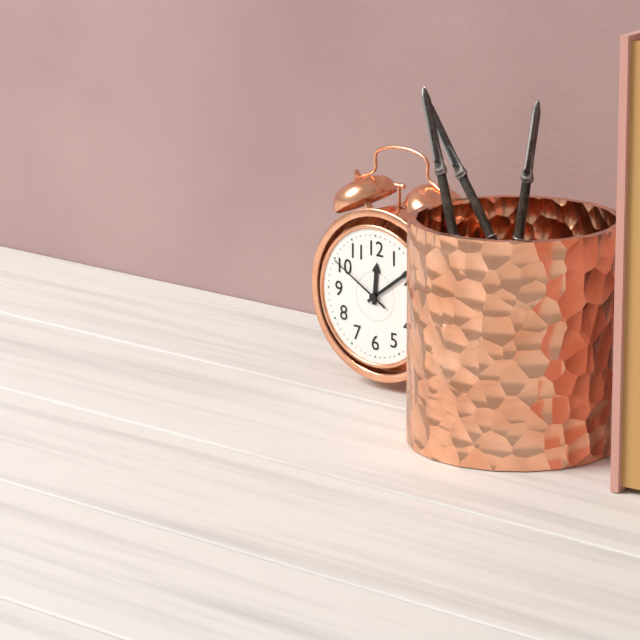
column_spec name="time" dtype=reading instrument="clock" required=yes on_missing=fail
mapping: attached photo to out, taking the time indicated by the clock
12:09:50
